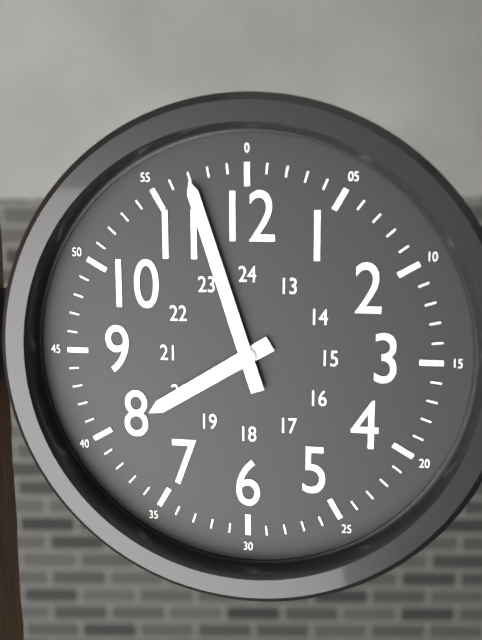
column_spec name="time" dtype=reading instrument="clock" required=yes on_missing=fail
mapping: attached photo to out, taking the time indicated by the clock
7:57
